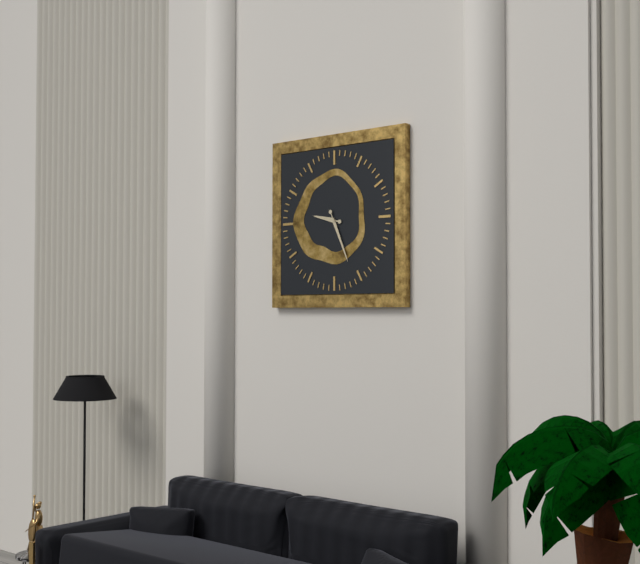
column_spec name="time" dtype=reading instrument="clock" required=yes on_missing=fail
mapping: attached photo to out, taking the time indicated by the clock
9:26
